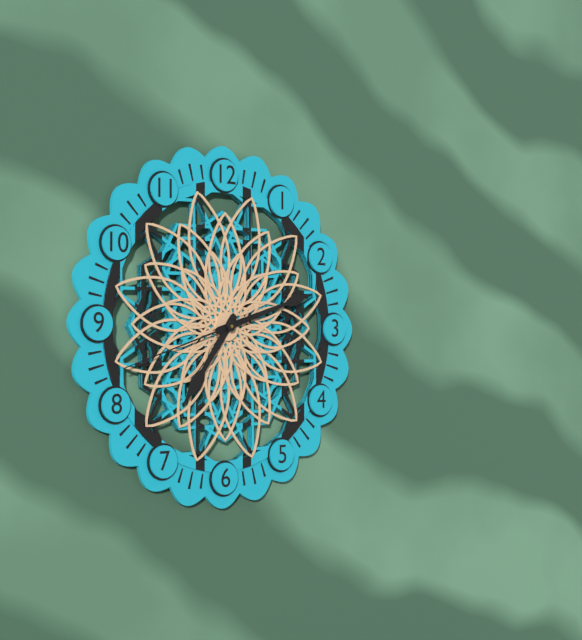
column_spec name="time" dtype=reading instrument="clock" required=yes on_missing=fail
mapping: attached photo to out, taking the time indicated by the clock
7:12:42
